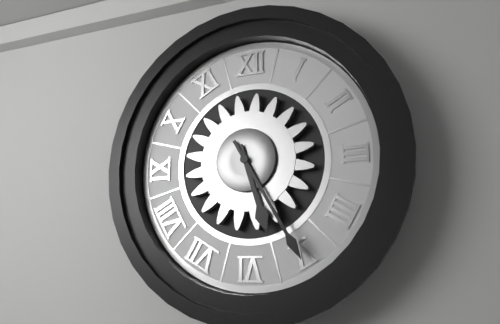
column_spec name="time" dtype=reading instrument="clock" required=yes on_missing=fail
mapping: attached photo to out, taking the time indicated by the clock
5:25
